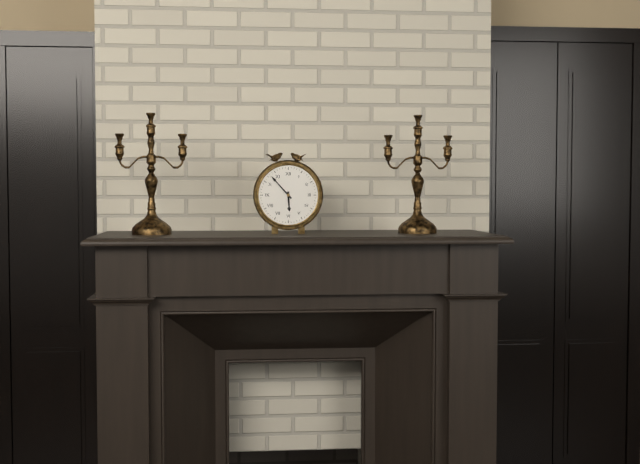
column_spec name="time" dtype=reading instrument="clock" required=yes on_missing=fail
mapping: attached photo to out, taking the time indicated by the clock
5:53
